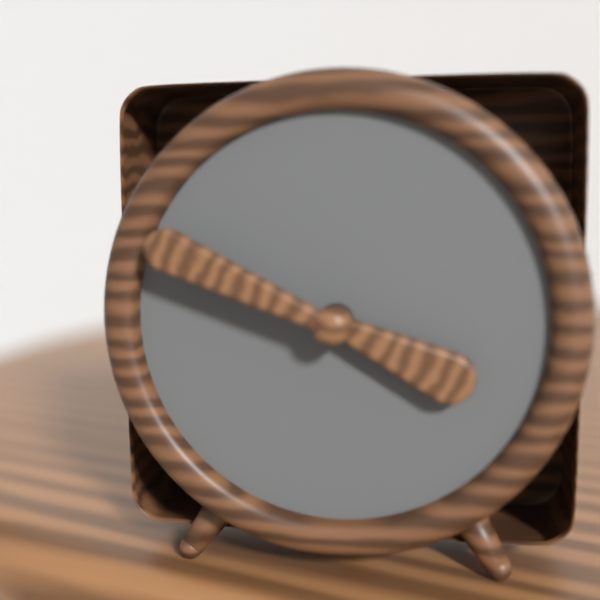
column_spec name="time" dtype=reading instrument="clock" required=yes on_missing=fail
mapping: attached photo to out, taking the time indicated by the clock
3:49
